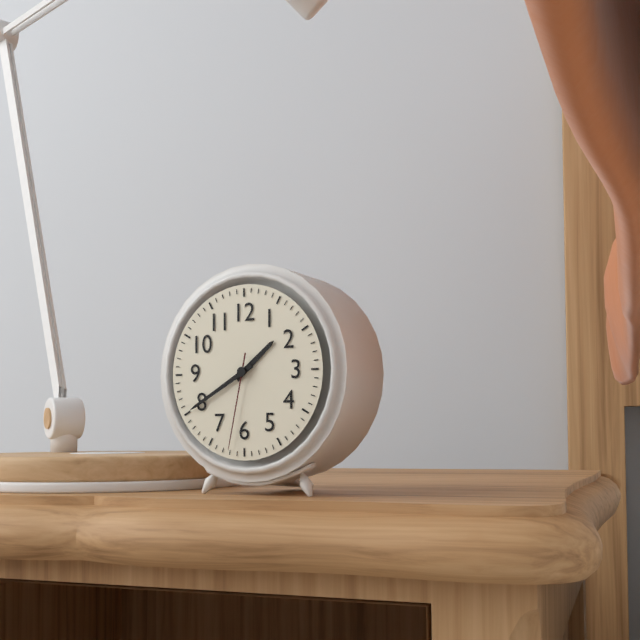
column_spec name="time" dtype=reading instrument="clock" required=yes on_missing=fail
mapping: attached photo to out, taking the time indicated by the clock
1:40:32
